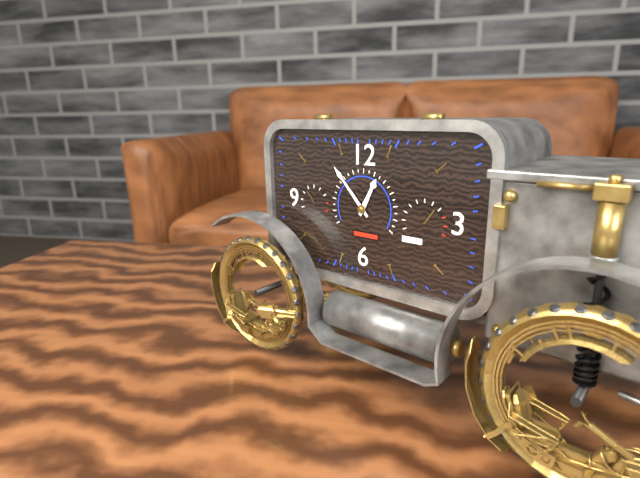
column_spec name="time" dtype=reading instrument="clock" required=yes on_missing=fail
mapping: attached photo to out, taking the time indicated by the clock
12:53
